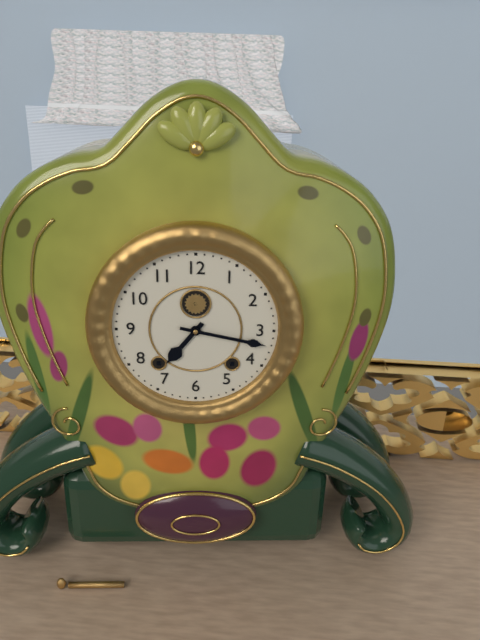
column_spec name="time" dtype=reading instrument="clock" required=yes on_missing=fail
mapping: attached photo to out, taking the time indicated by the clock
7:17
